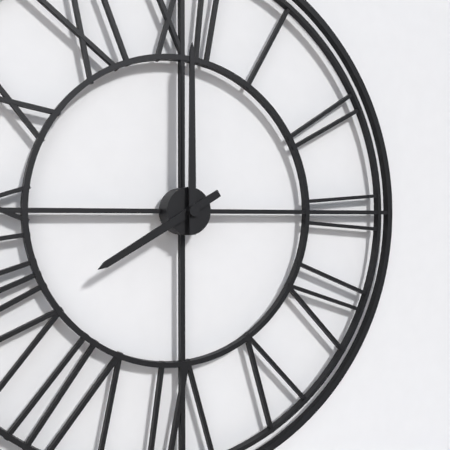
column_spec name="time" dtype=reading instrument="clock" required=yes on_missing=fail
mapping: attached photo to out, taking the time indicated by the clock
8:00
